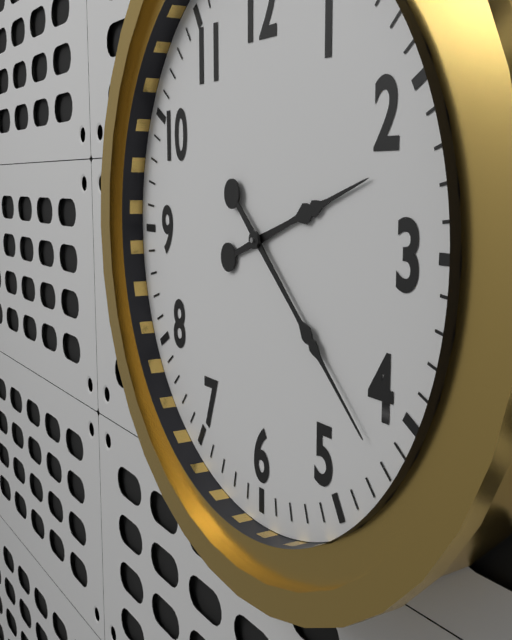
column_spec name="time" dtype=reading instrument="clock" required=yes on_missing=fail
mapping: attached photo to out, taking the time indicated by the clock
2:22
